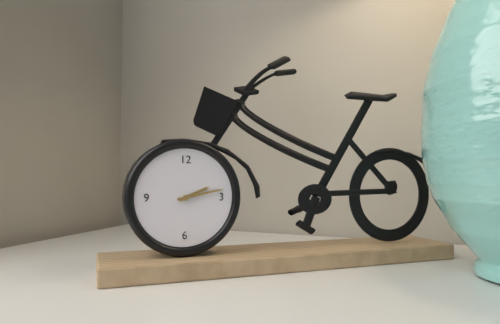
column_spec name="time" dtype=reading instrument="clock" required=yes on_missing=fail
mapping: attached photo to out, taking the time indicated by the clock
2:13
